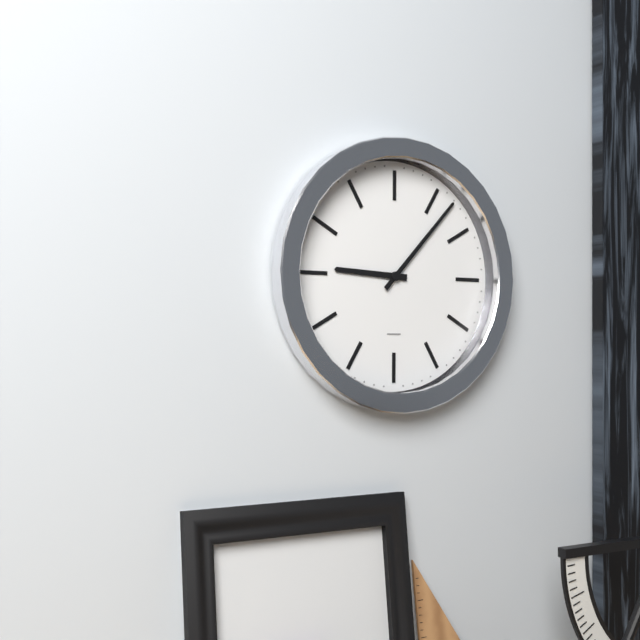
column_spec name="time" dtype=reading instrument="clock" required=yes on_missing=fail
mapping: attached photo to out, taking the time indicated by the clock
9:07
